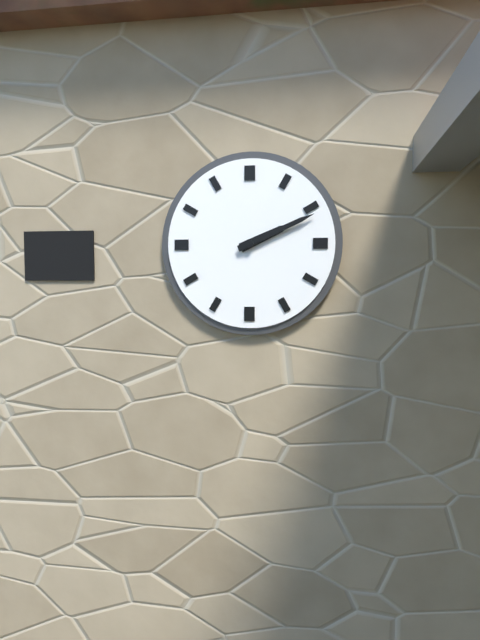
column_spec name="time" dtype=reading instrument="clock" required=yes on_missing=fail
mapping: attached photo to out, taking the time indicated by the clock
2:11
